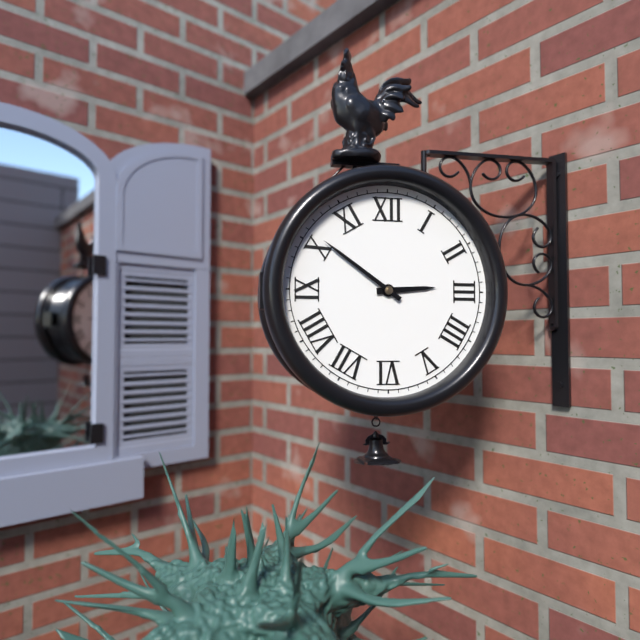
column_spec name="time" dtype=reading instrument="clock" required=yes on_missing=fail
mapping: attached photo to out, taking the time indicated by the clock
2:51
